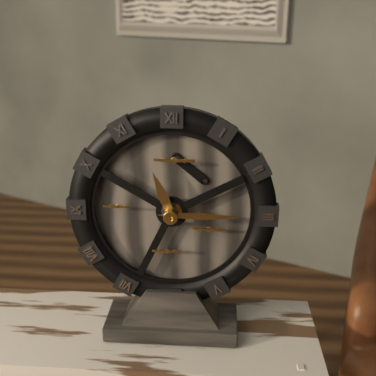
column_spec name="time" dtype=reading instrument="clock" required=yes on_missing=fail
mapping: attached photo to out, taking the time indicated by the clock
11:15
